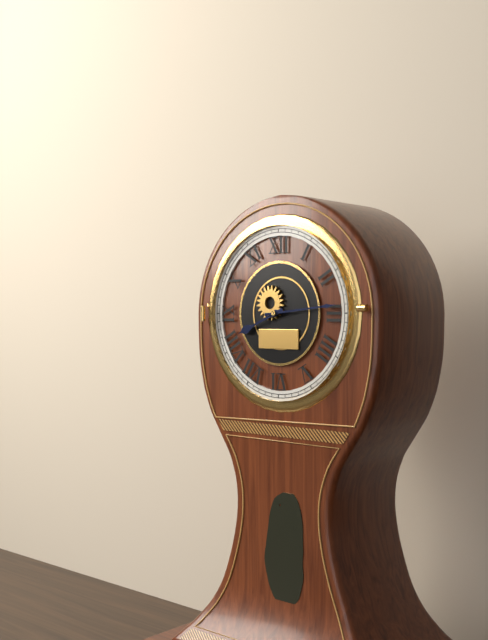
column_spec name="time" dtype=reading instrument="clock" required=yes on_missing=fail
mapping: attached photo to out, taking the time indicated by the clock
8:14
